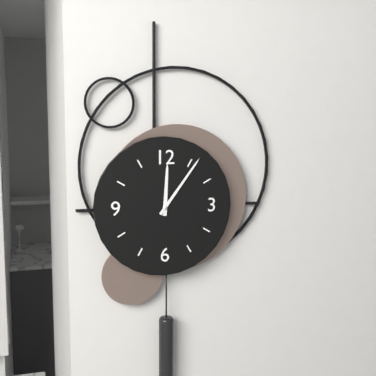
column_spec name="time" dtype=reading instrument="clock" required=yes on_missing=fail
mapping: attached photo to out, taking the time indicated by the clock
12:06
